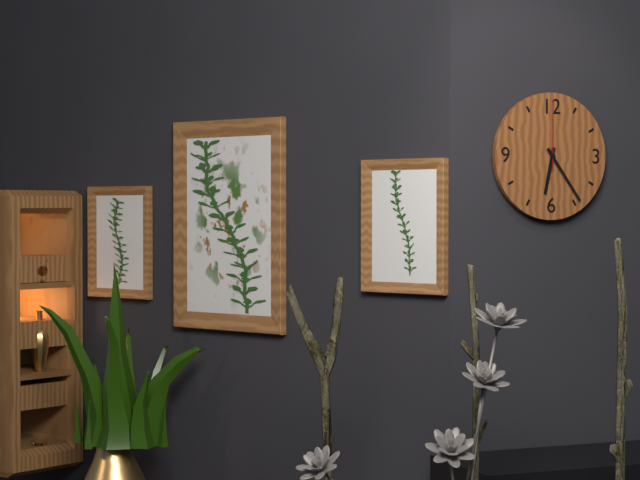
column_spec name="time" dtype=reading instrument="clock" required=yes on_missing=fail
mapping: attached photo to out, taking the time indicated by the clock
6:24:00
